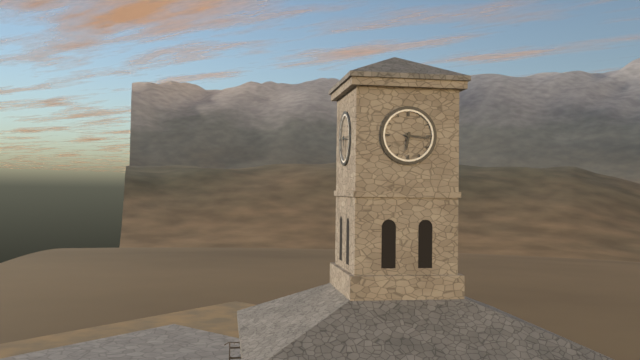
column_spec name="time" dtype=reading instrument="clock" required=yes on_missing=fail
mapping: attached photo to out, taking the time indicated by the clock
6:16
